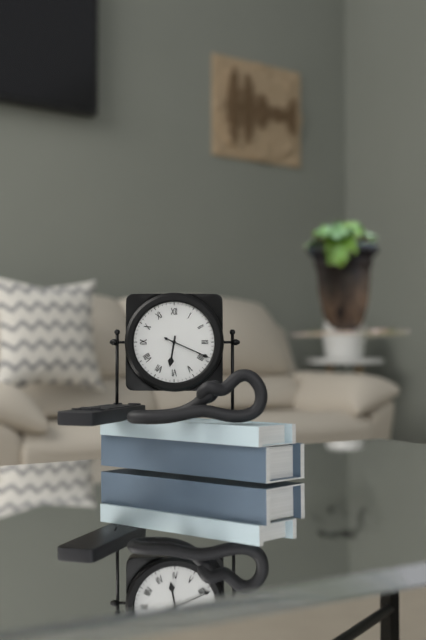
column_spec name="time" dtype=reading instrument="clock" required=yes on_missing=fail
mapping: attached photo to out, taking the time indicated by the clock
6:19
